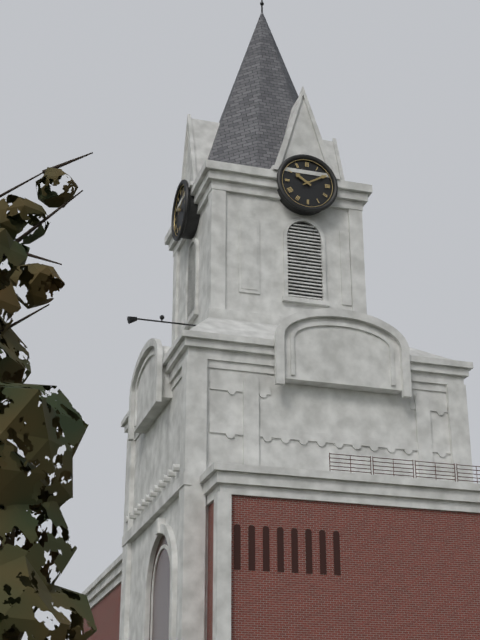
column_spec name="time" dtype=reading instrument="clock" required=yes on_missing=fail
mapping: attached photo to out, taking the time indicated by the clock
10:10
